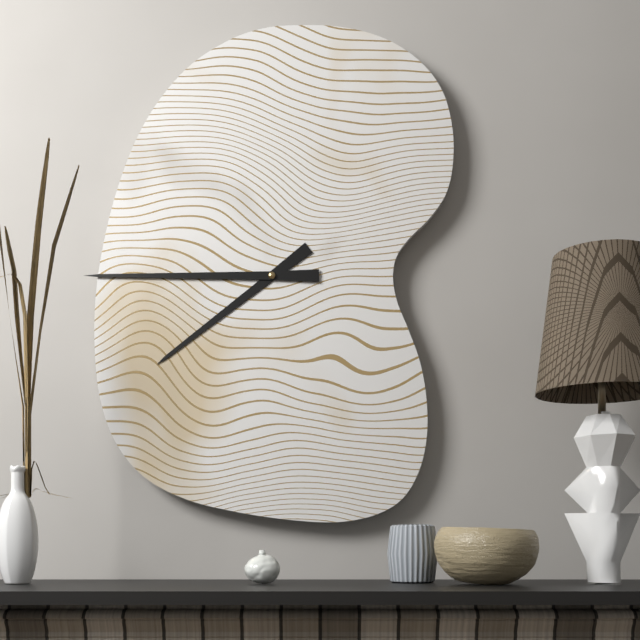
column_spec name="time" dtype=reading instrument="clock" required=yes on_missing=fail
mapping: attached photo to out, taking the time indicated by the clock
7:45
